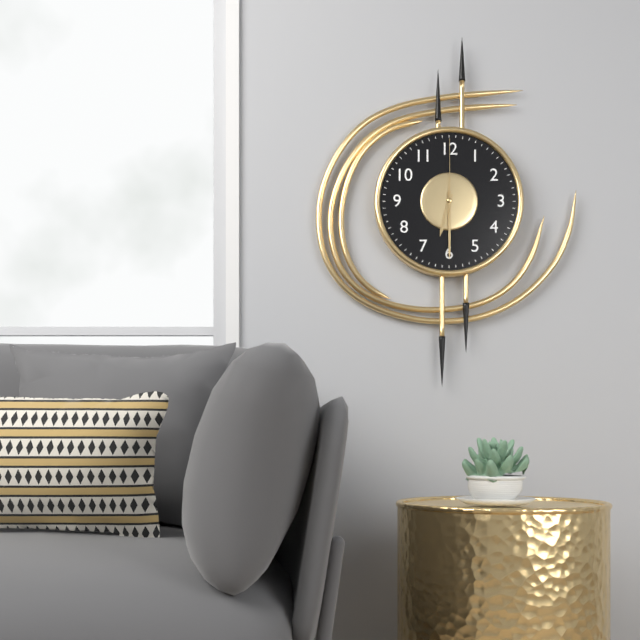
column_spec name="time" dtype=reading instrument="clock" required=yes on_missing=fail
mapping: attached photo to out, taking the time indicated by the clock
6:30:00
